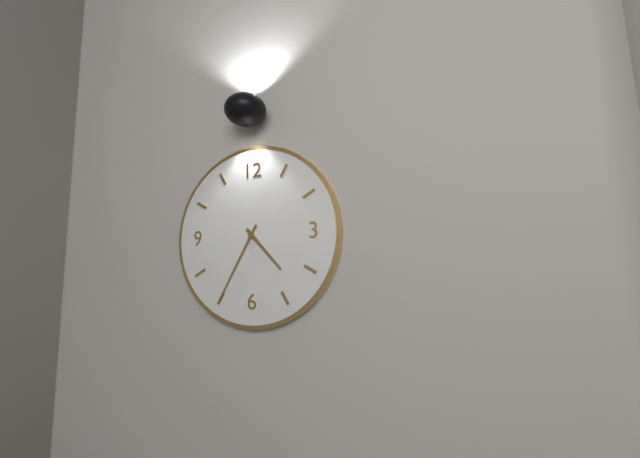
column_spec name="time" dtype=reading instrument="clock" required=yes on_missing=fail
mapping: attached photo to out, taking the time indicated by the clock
4:35
